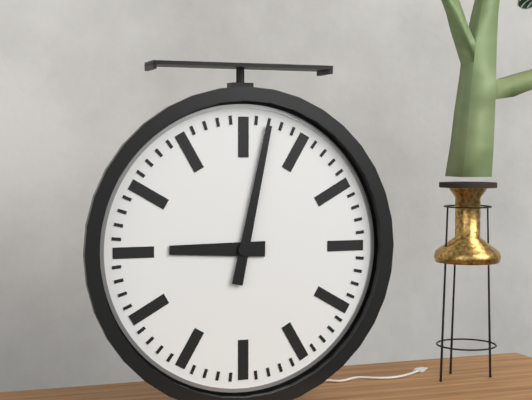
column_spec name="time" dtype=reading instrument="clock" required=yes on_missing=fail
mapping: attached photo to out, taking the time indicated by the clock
9:02
